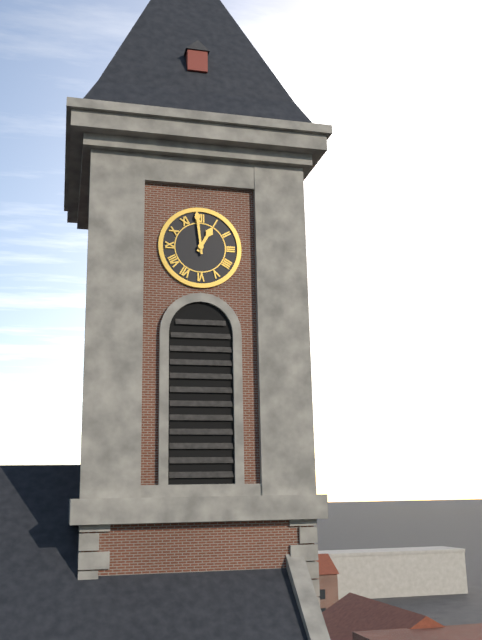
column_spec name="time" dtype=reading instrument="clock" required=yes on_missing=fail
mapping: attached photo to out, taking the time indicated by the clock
12:59
